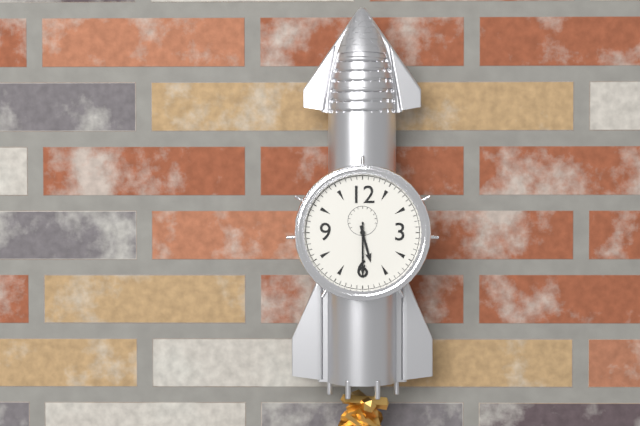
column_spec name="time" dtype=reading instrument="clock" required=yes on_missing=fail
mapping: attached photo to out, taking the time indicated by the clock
5:30
